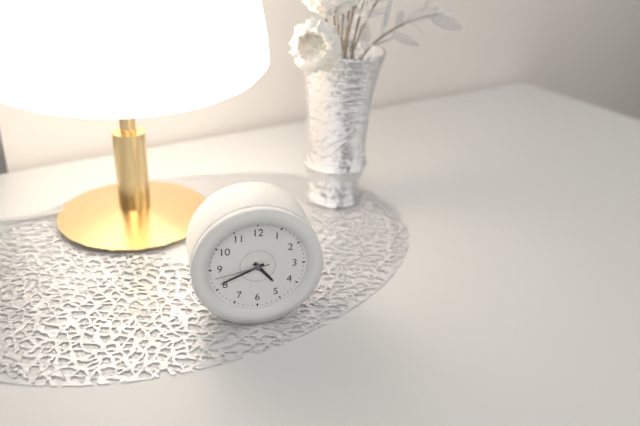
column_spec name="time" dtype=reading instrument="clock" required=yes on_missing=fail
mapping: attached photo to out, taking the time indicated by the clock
4:41:43
